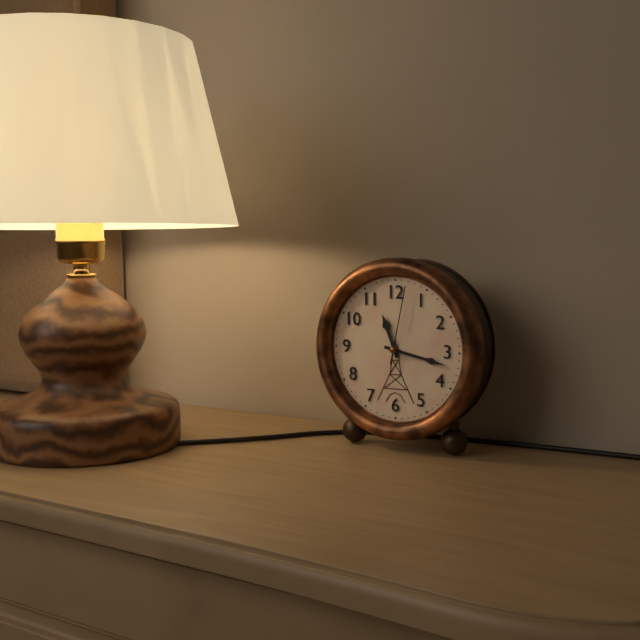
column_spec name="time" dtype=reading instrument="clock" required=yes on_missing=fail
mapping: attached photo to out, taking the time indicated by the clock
11:17:02
